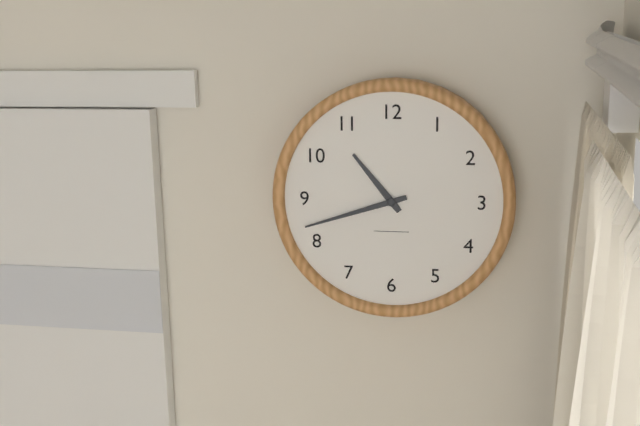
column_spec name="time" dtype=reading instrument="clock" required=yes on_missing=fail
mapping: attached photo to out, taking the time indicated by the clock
10:42
